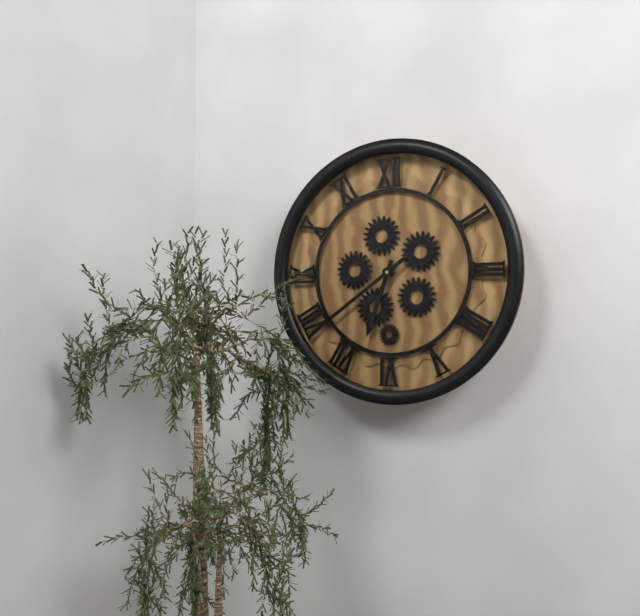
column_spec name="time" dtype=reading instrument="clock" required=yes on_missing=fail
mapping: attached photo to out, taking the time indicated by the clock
6:39
